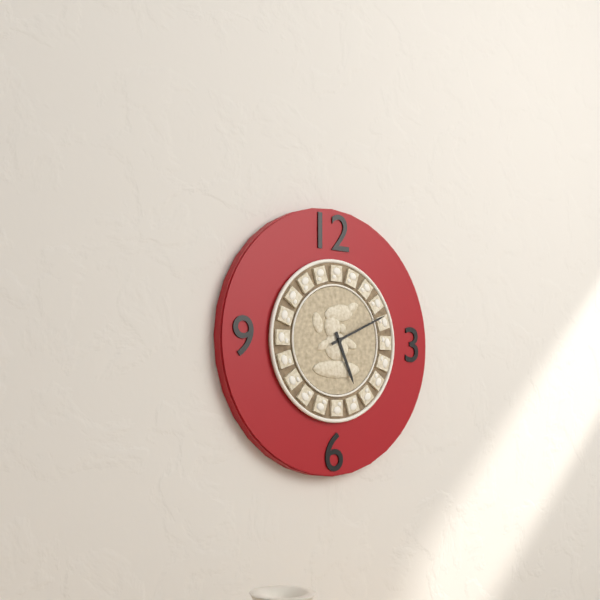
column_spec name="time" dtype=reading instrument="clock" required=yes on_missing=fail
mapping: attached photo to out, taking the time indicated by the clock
5:11
